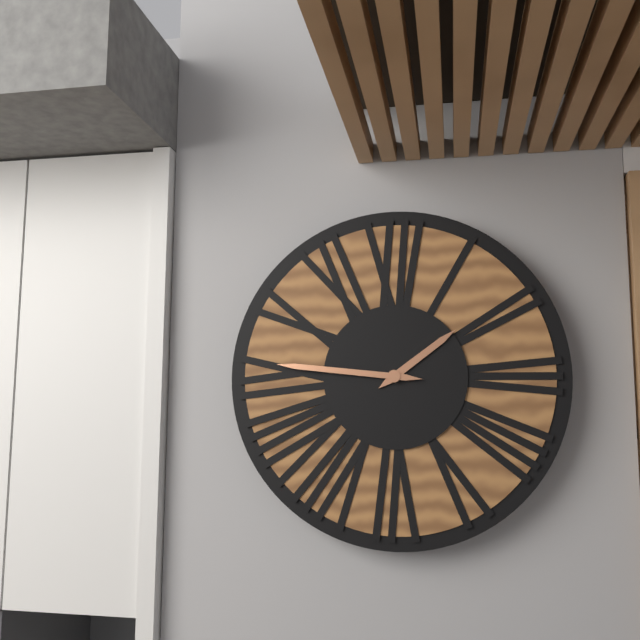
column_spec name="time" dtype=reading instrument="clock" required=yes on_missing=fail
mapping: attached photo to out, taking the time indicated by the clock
1:46
